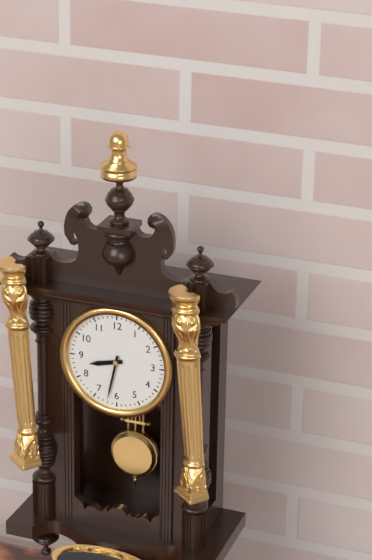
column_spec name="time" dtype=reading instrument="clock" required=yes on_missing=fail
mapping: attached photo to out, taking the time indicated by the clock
8:32
